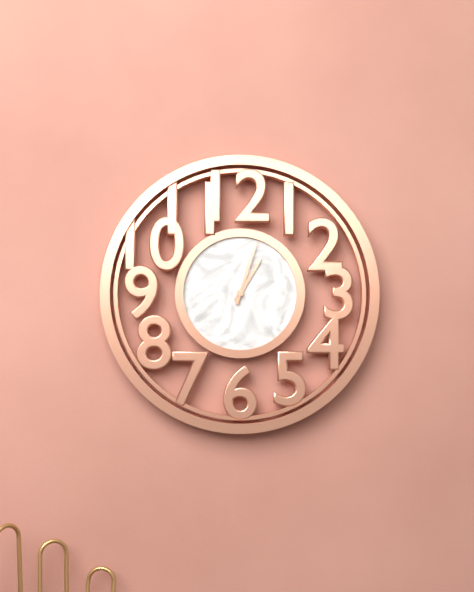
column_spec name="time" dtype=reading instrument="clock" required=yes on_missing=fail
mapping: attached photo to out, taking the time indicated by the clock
1:03
